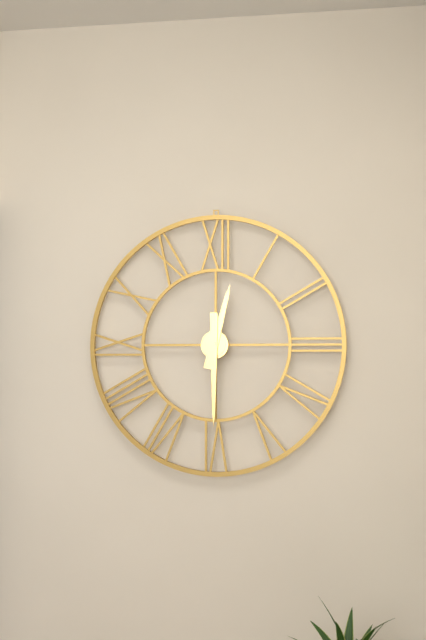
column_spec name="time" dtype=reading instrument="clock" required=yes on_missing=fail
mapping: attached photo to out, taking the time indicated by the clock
12:30
